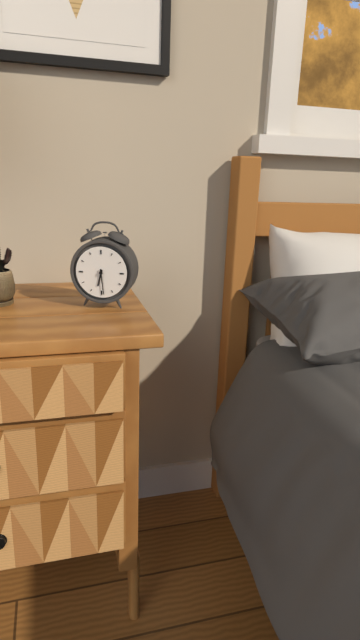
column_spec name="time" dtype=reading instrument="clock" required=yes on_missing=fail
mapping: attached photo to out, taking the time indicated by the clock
6:29
